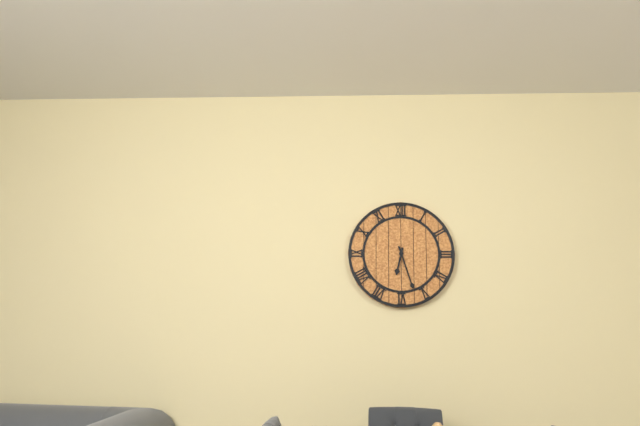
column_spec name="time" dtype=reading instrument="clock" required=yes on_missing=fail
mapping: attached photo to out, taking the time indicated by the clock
6:27
